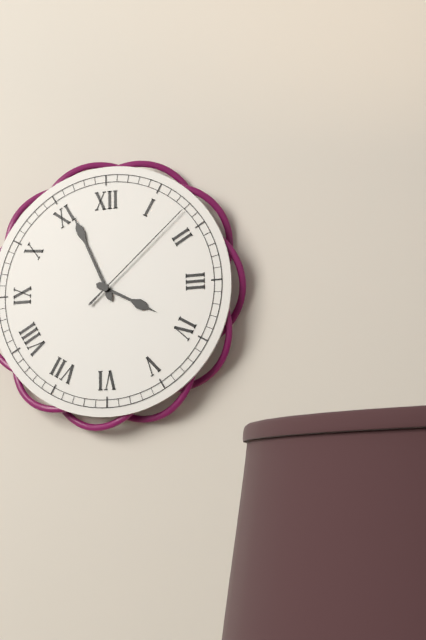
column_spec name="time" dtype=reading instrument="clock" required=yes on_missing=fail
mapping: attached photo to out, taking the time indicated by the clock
3:56:08
